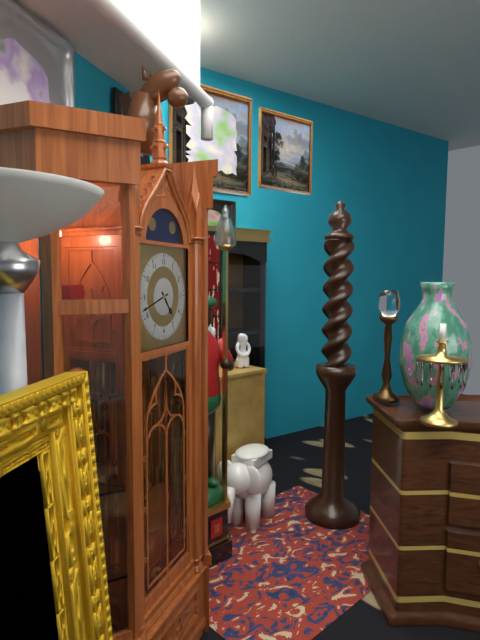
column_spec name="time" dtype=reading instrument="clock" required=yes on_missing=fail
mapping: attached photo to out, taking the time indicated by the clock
4:42
